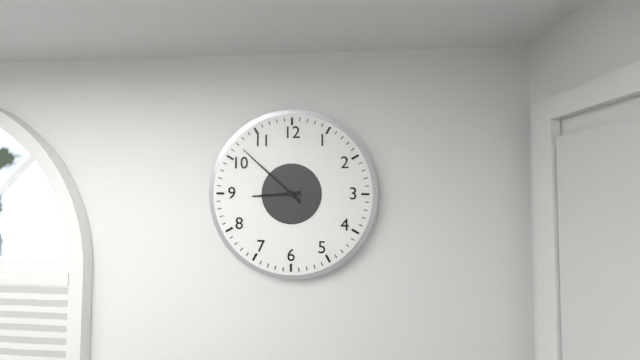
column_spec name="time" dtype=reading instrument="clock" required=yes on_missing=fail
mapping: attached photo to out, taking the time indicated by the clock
8:52
